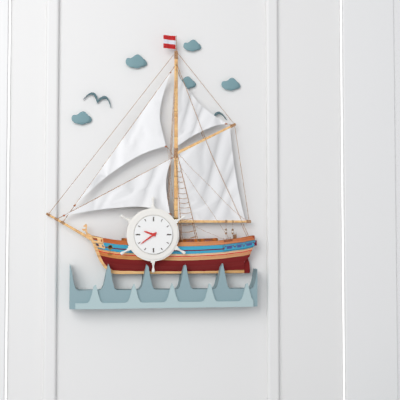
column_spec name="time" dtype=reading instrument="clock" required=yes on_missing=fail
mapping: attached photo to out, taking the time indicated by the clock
9:39
